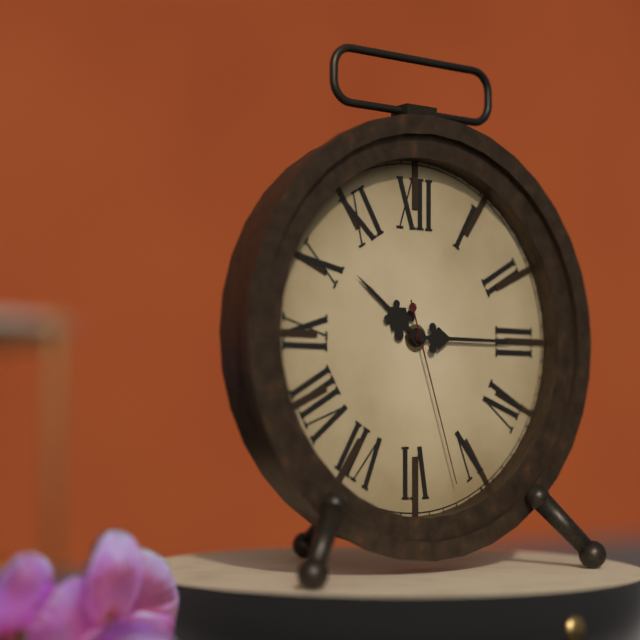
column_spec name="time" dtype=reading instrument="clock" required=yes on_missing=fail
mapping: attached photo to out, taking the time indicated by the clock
10:15:27
